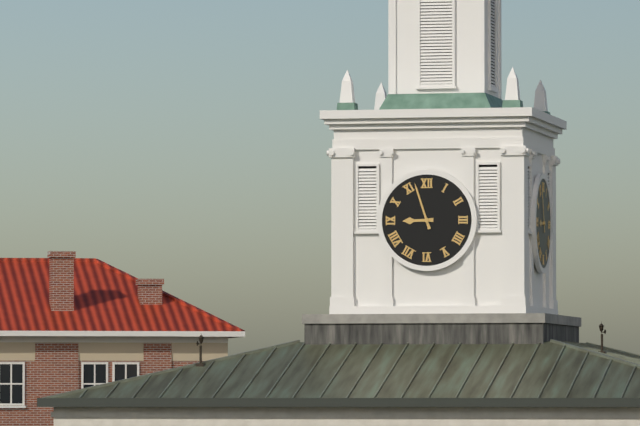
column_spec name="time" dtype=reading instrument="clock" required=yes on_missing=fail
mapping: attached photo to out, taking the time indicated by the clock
8:57
